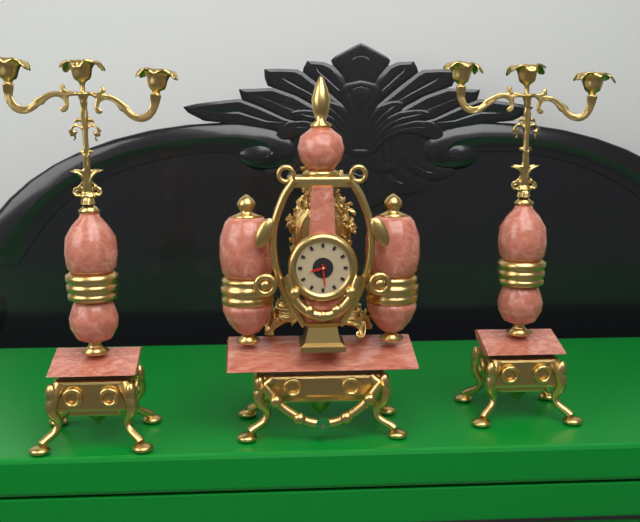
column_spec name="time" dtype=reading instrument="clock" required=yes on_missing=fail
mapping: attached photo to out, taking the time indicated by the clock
8:29
